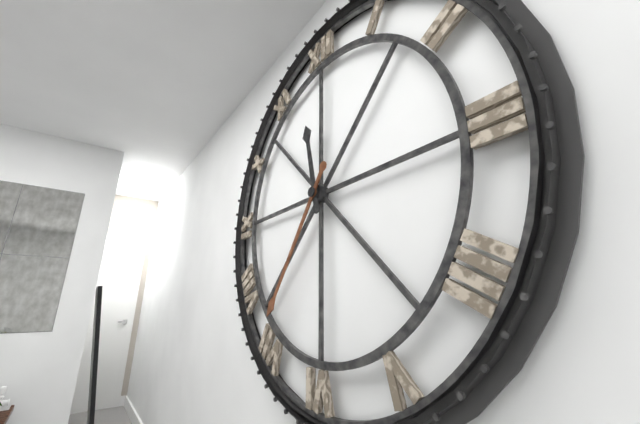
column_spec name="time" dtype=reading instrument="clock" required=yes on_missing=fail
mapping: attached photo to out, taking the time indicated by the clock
11:36
